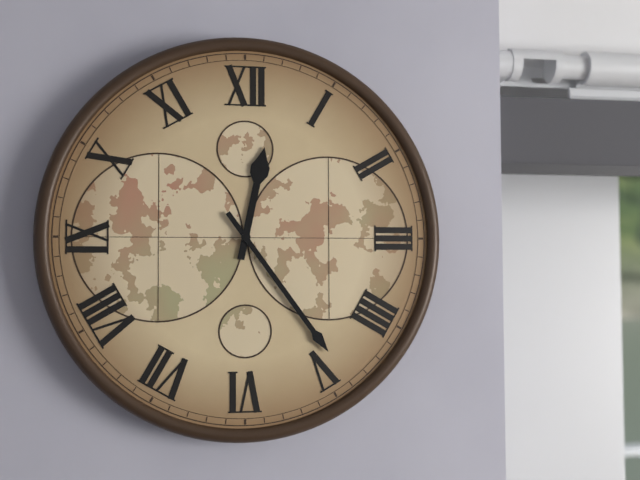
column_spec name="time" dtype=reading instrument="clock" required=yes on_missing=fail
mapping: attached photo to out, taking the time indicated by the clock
12:24
